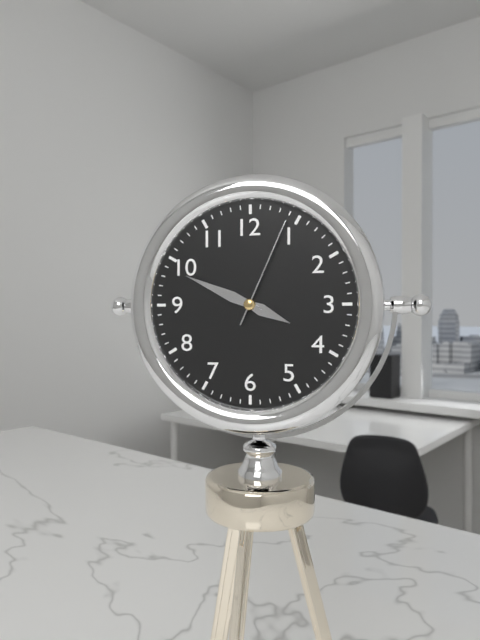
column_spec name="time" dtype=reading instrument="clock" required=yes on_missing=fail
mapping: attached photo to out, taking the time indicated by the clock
3:49:04
